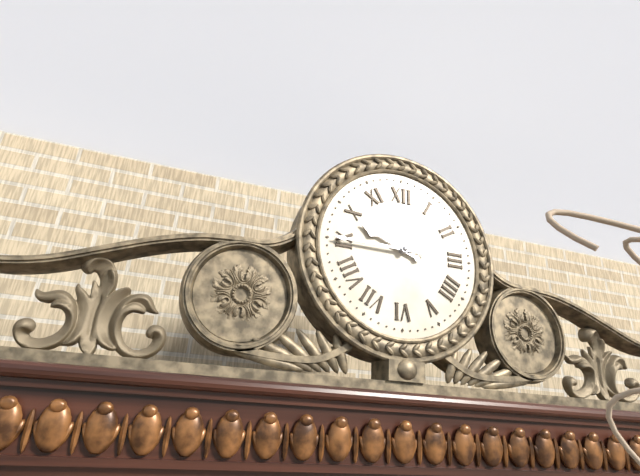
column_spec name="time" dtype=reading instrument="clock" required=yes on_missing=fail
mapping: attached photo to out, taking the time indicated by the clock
9:45
